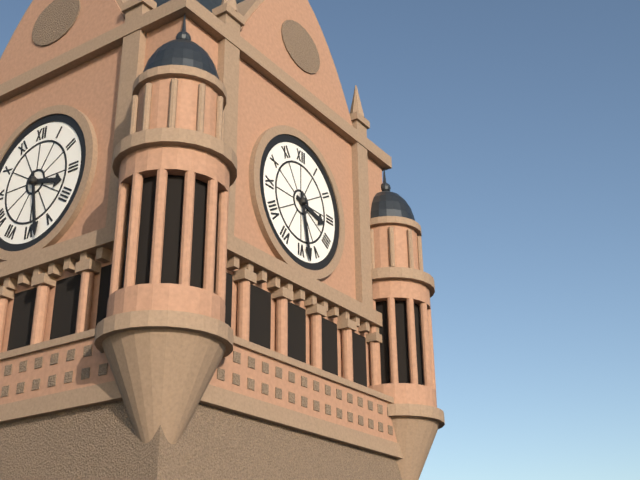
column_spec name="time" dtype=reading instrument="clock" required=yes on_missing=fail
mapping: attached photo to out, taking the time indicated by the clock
3:28
